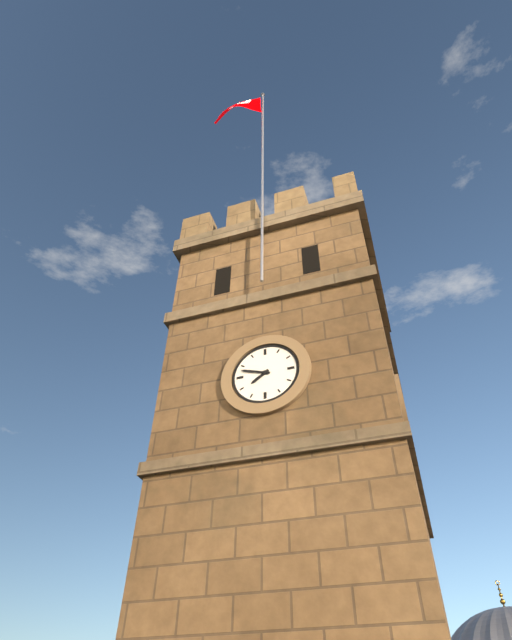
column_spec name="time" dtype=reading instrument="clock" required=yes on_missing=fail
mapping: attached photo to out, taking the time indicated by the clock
7:48
